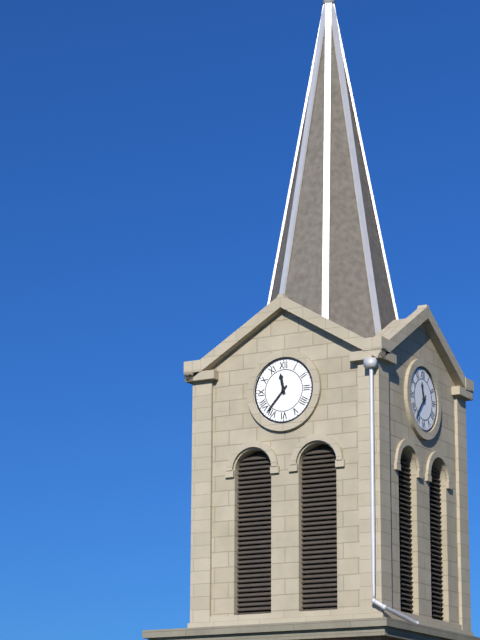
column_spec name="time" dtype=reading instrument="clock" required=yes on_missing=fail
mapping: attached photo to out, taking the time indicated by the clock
11:37
